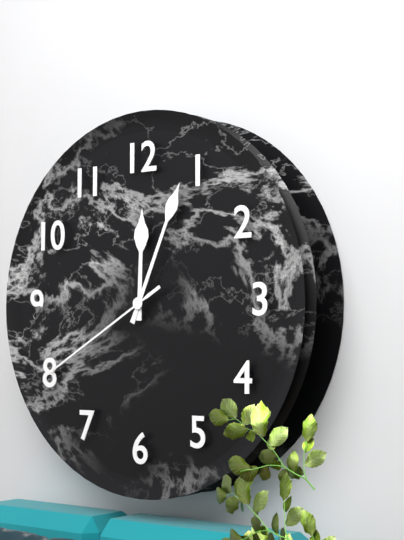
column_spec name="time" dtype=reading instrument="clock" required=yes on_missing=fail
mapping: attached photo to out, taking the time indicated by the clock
12:04:40
